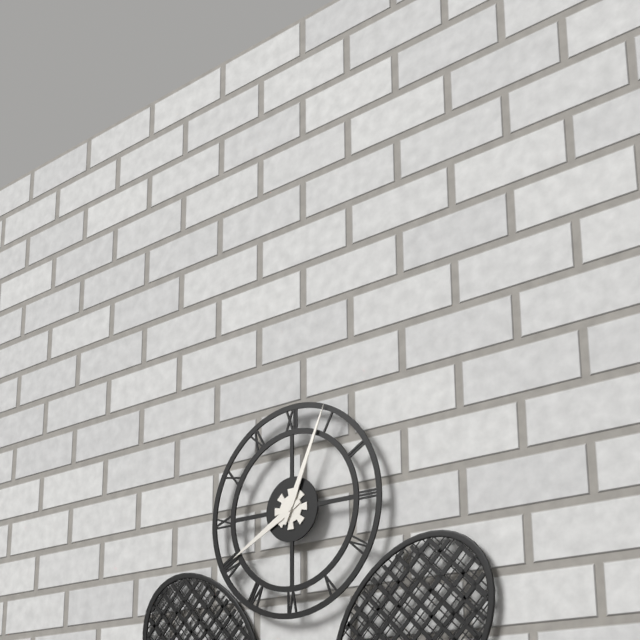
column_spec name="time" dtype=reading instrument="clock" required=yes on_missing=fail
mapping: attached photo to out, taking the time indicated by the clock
8:04
